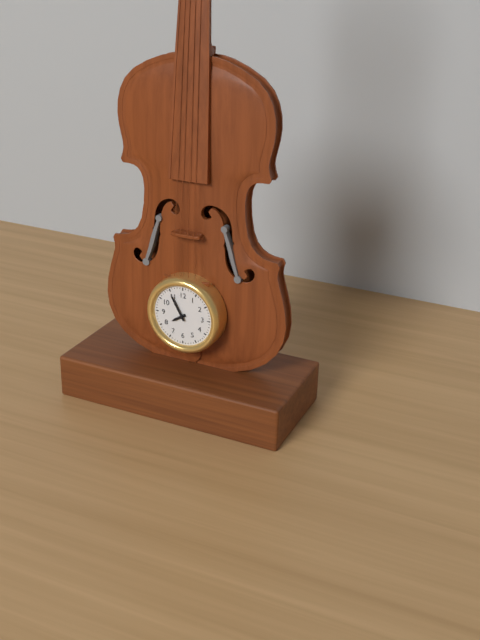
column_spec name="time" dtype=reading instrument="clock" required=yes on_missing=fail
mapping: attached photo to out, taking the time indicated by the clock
7:55
